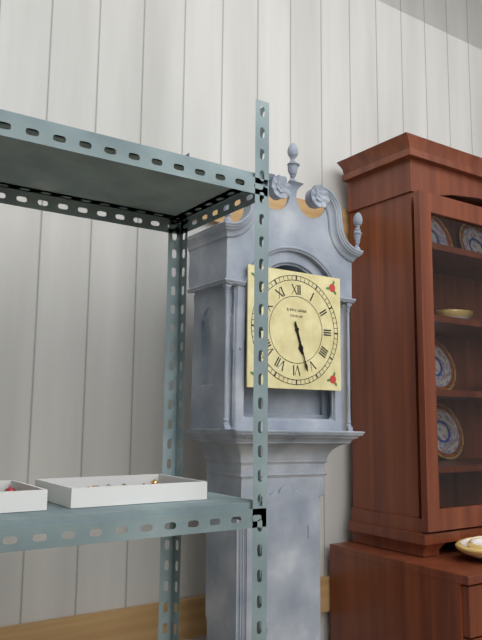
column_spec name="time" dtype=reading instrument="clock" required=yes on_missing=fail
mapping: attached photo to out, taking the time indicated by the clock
5:27
